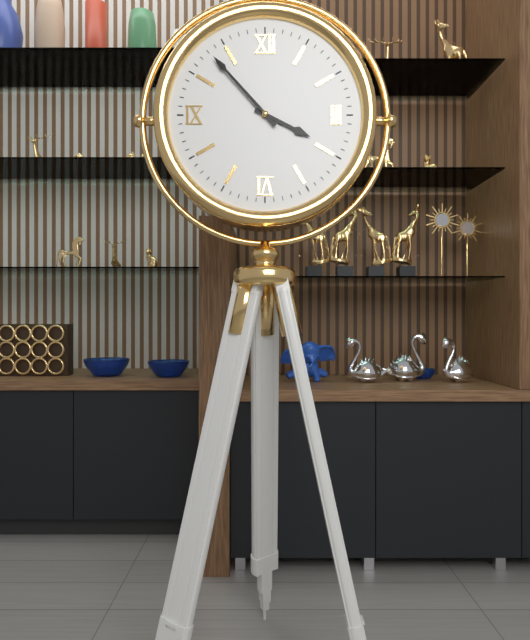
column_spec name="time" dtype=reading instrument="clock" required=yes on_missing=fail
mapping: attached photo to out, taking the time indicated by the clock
3:53
